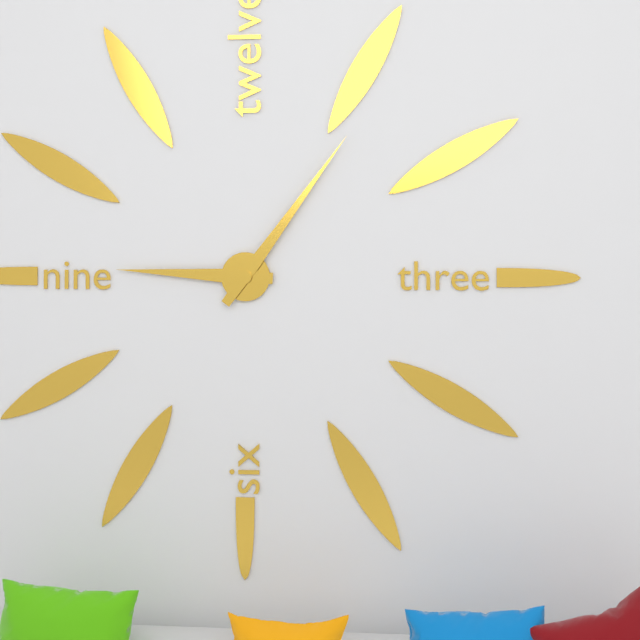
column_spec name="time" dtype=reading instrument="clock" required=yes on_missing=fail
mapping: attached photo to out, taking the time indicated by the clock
9:06
